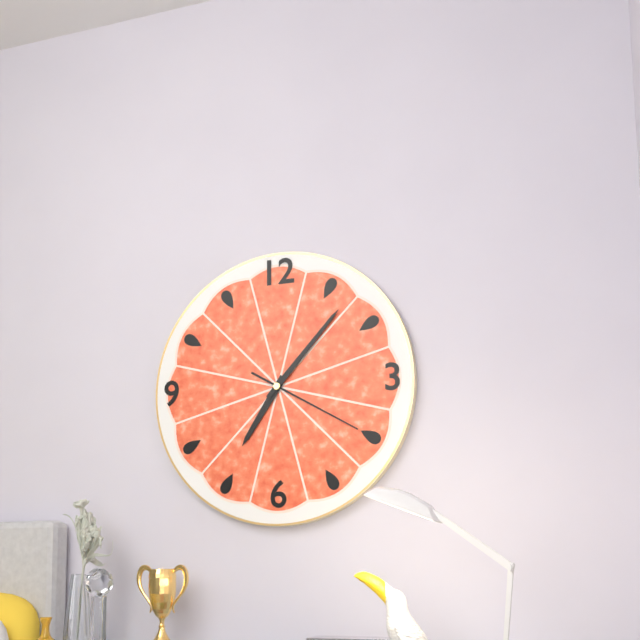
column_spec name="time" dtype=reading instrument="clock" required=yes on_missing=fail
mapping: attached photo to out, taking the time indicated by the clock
7:07:20
